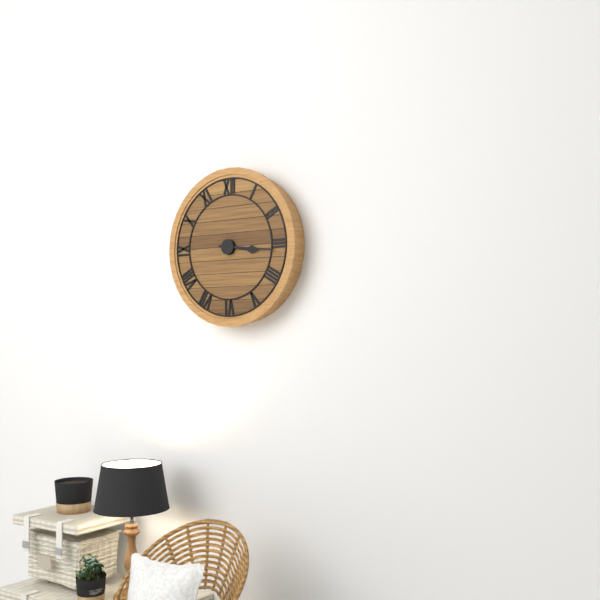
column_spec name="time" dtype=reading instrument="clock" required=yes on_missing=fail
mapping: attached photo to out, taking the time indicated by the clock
3:16
